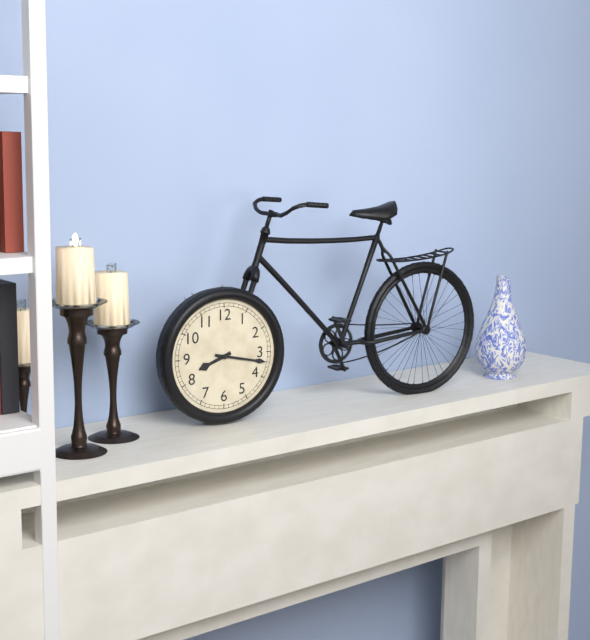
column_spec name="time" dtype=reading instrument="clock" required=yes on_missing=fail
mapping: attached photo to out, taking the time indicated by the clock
8:17
